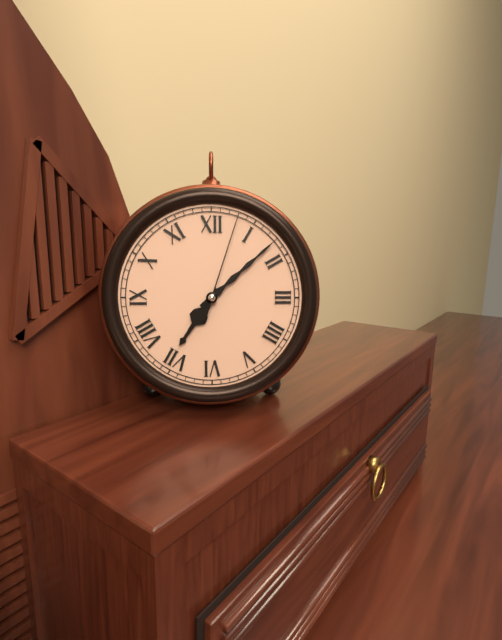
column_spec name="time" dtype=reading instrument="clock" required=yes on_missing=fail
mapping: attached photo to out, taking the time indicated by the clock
7:08:03
